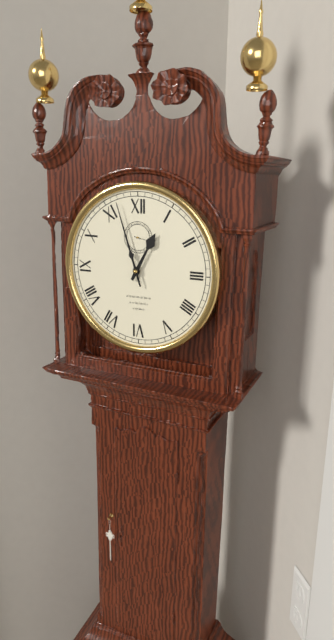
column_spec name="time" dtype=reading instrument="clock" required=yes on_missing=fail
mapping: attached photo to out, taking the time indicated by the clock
12:57
